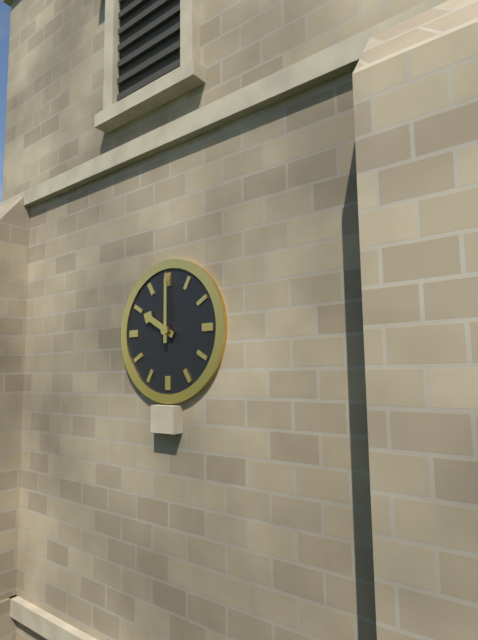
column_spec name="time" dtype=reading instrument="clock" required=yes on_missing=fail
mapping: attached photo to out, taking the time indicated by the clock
10:00
